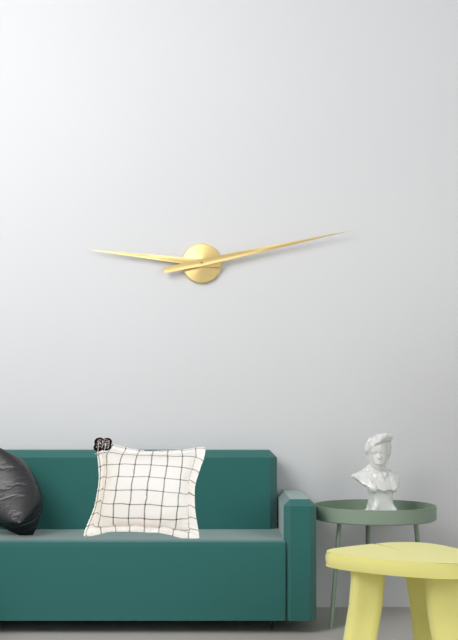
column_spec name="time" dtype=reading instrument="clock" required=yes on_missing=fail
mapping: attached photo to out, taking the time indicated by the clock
9:13
